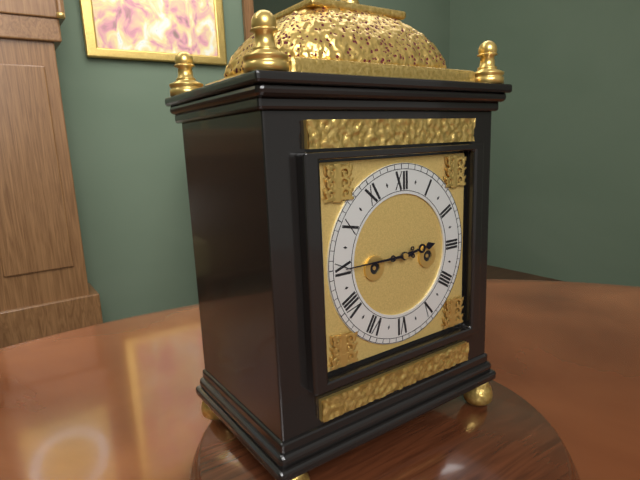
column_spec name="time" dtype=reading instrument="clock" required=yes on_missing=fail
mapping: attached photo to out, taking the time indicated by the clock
2:45
